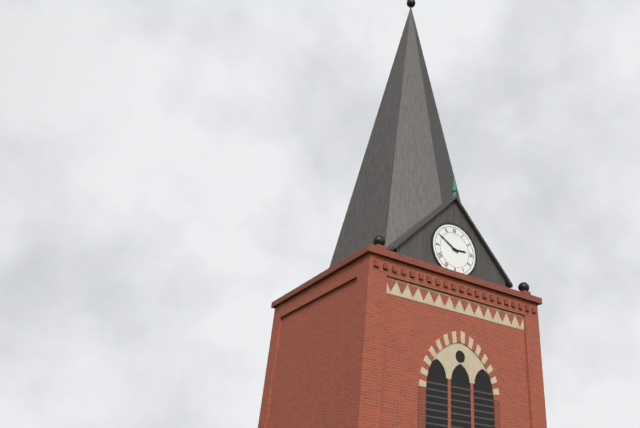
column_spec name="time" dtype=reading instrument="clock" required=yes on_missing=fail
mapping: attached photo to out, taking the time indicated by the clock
2:50
